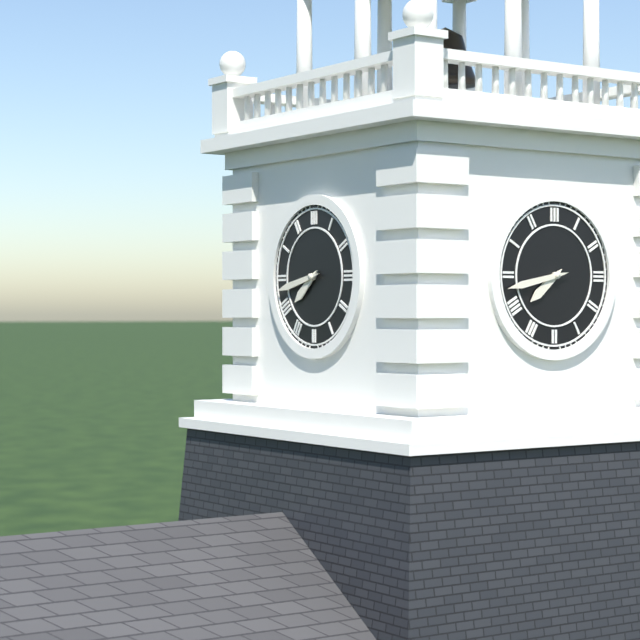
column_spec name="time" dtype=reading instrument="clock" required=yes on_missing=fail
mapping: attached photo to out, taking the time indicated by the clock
7:43
